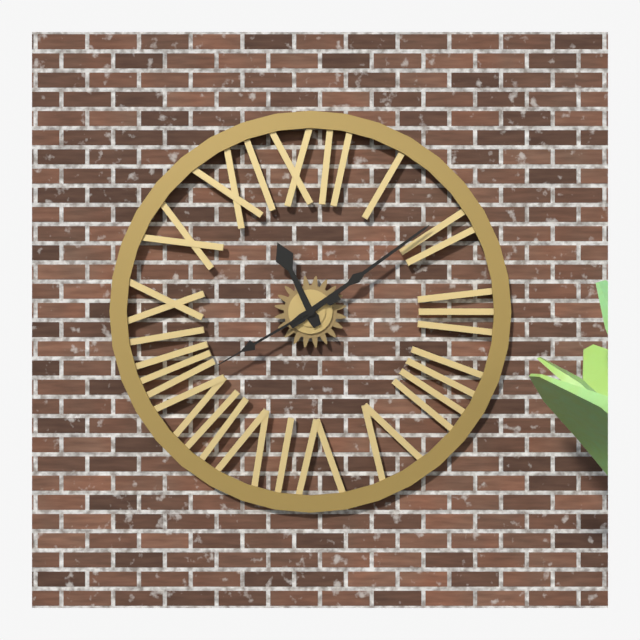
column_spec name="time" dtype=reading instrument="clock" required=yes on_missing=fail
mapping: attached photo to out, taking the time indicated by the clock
11:09:40
